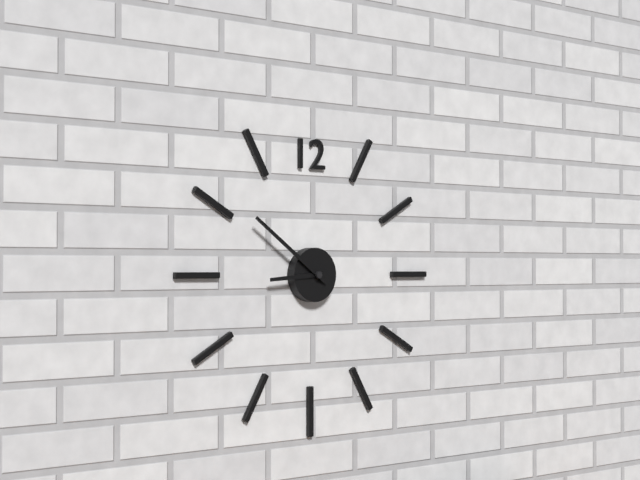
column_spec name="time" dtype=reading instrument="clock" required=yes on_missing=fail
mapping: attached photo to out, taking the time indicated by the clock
8:51
